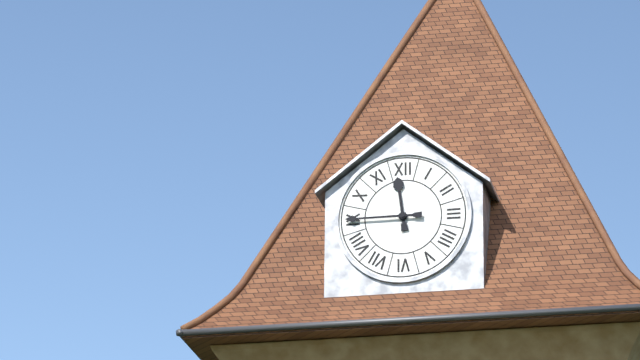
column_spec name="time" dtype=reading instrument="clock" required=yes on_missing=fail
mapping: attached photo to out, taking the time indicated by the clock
11:45
